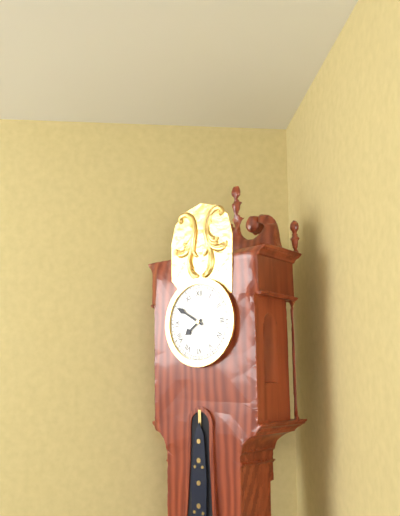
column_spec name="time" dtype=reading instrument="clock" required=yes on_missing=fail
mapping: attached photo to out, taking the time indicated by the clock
7:50
